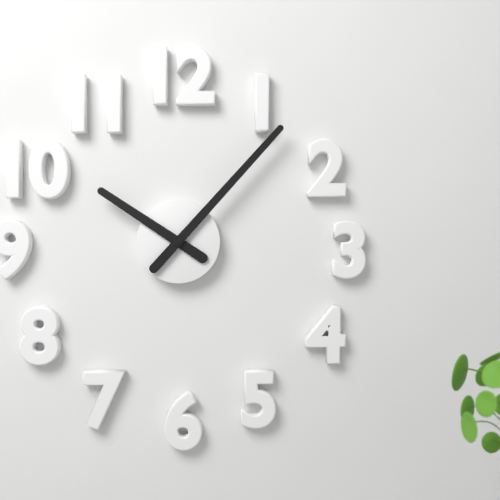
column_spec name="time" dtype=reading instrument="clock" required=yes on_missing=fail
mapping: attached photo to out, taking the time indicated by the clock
10:07
